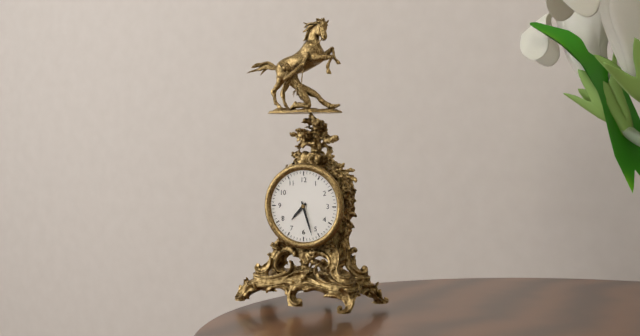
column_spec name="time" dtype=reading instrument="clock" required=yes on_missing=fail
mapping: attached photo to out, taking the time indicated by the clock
7:27
